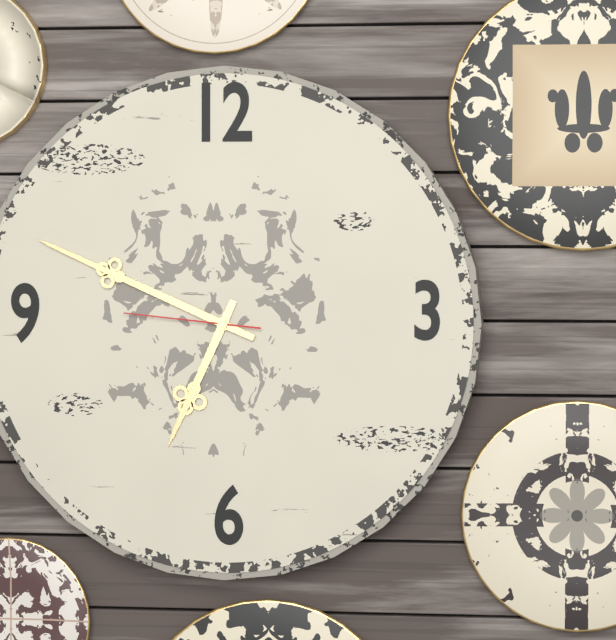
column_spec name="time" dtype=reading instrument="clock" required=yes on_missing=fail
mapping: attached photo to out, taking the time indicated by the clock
6:49:46
